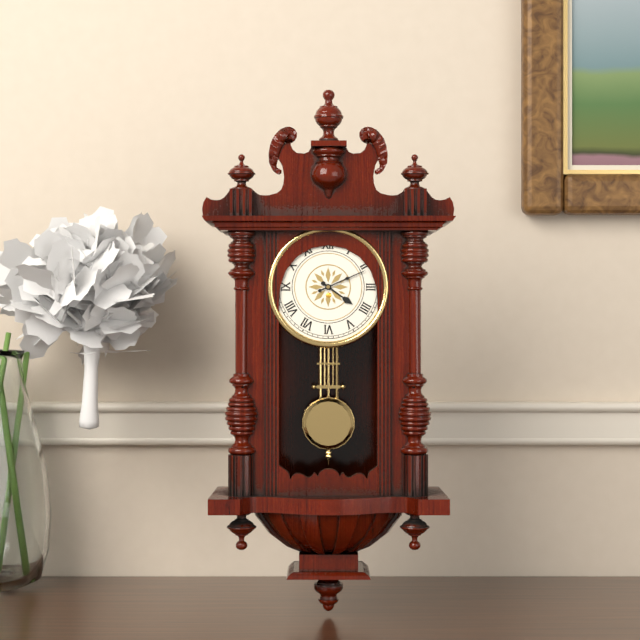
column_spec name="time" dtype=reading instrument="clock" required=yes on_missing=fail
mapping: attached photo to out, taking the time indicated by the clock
4:11
